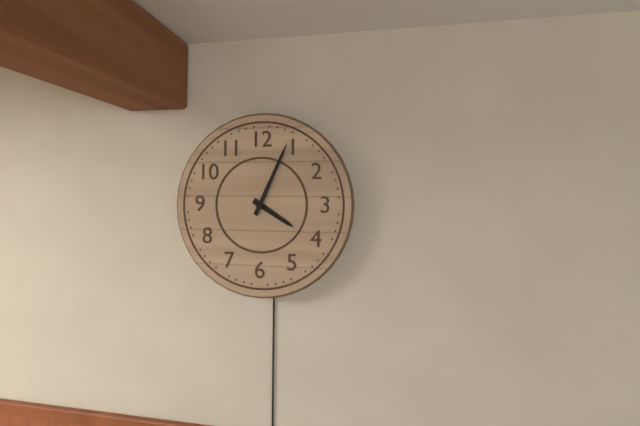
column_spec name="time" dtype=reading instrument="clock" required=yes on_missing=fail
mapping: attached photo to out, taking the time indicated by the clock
4:04
